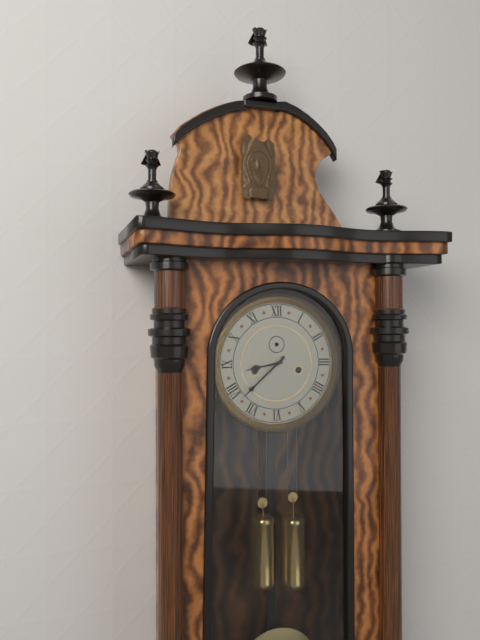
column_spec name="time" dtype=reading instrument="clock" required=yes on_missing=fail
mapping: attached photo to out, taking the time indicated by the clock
8:38
